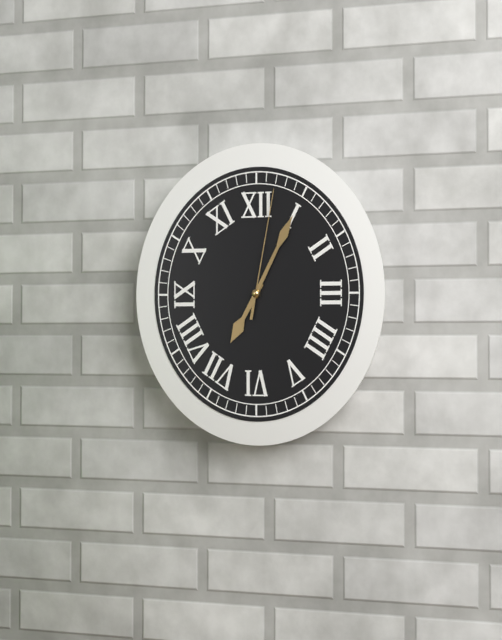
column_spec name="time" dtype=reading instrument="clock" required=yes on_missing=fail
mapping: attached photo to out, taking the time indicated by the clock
7:05:02
